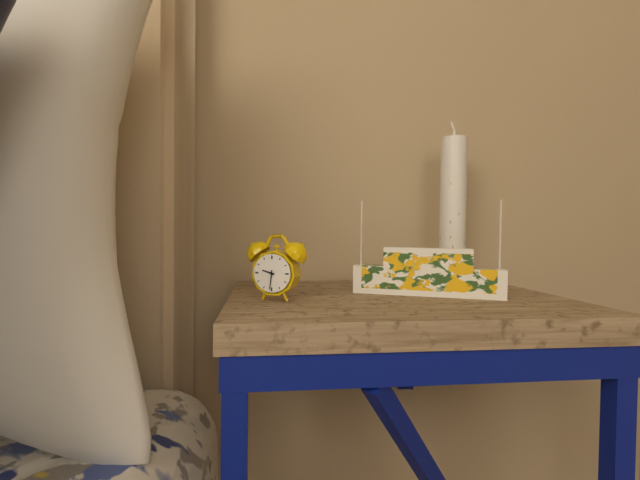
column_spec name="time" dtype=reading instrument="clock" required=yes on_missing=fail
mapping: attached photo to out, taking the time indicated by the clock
9:31
